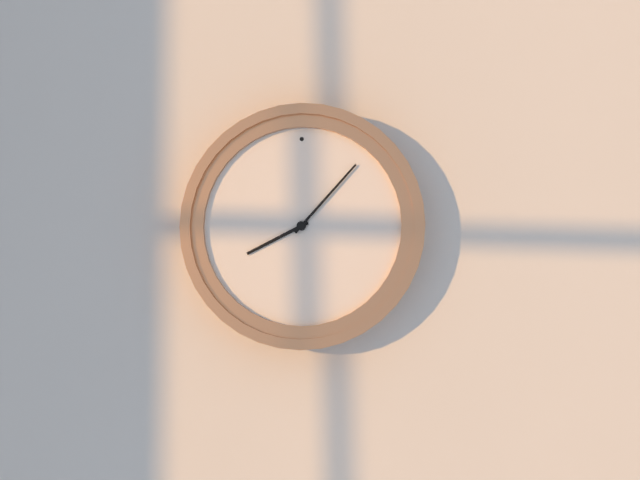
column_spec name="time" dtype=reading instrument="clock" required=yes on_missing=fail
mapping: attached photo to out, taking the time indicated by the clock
8:07
